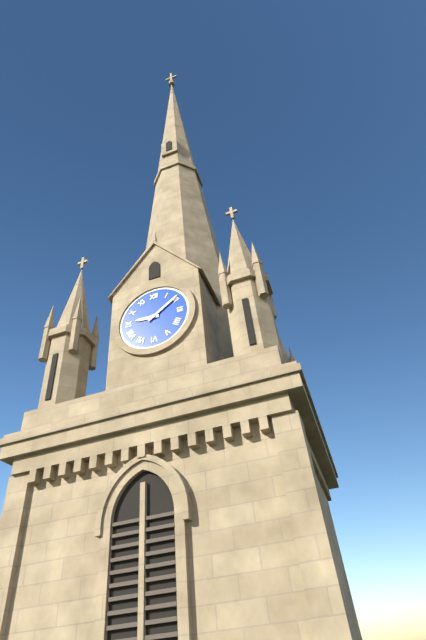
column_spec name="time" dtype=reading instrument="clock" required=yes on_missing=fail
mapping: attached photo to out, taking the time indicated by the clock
9:09
